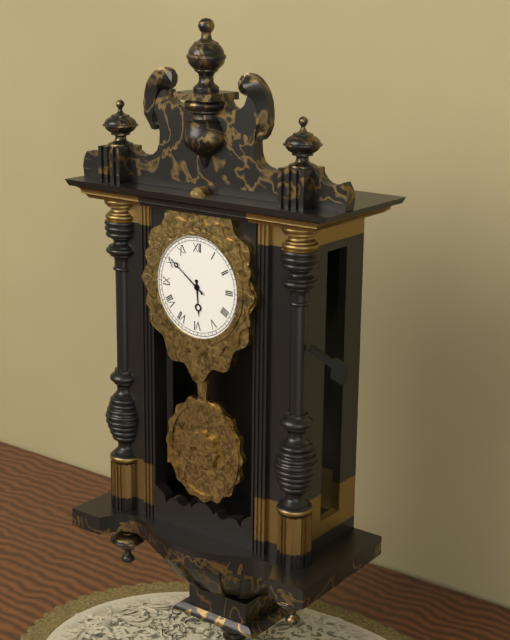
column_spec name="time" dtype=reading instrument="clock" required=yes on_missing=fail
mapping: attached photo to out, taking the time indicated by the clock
5:51
